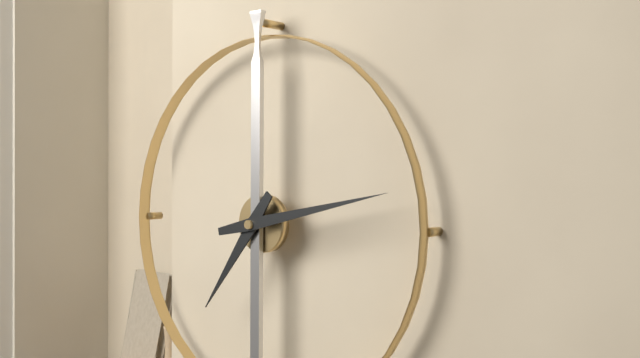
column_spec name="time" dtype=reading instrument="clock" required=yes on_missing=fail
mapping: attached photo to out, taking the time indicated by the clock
7:13
